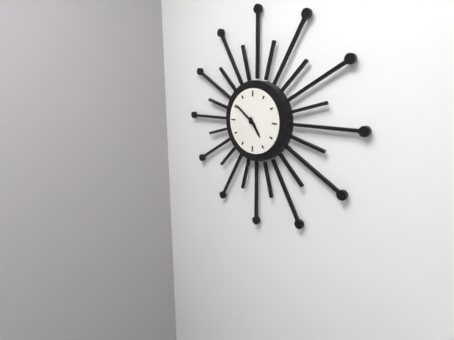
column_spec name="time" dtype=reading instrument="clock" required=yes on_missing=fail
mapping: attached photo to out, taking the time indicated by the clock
4:51
